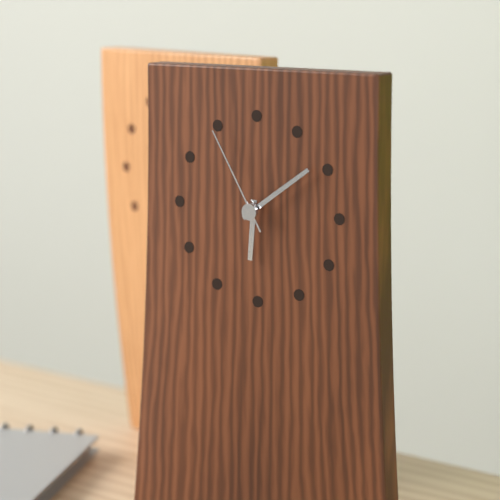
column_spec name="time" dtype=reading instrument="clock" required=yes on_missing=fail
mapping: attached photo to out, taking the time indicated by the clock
6:09:55
